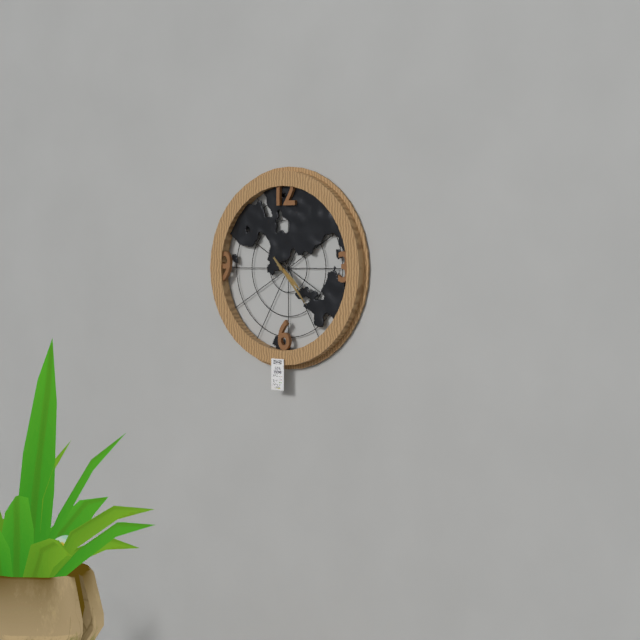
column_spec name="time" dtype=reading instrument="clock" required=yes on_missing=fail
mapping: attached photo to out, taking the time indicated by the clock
4:23
